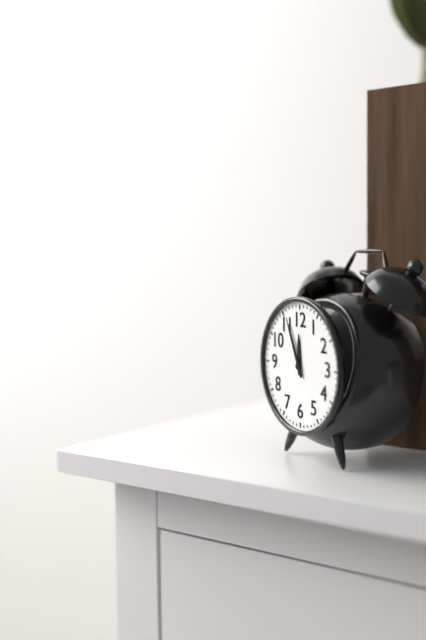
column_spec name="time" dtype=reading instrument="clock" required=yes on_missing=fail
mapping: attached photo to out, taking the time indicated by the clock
11:56
